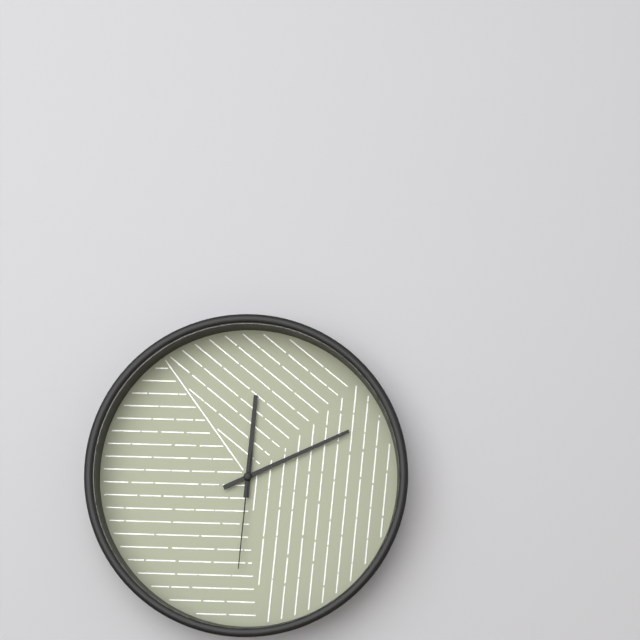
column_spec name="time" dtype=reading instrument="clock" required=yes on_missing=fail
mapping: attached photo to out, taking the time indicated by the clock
12:11:31
